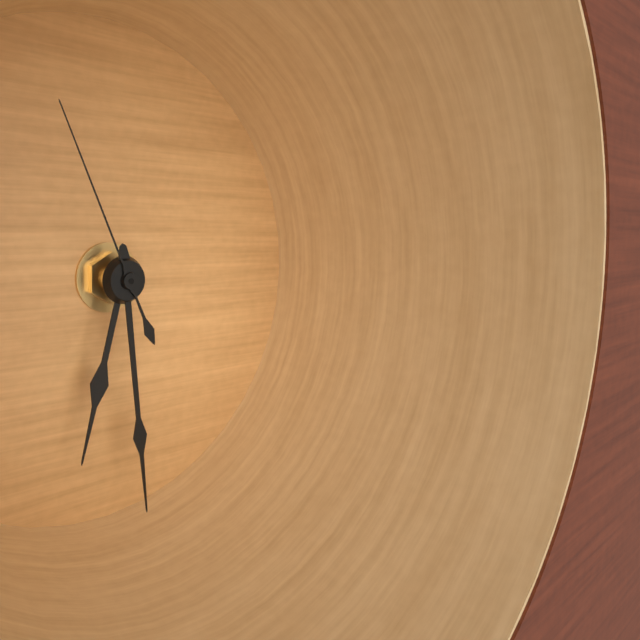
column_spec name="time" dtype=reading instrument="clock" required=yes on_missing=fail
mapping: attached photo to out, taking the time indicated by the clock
6:29:56
